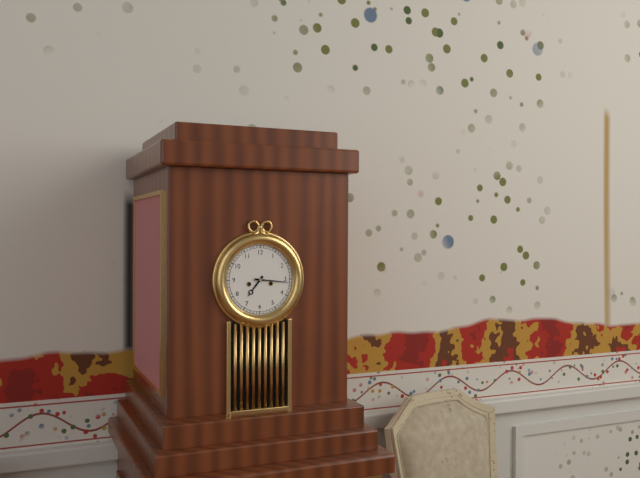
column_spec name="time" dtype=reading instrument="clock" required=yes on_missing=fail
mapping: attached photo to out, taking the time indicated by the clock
7:16
